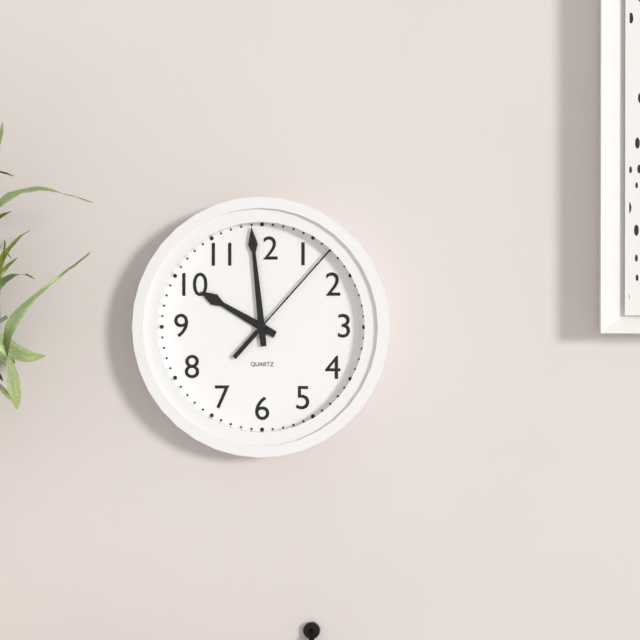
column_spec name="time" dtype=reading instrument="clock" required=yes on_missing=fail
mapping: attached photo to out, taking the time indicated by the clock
9:59:07
